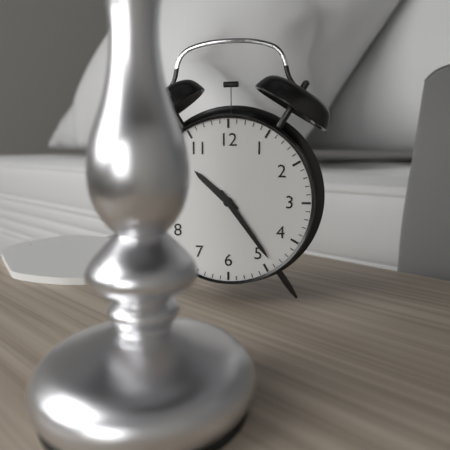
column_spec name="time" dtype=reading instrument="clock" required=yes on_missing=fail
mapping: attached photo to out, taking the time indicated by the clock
10:24
